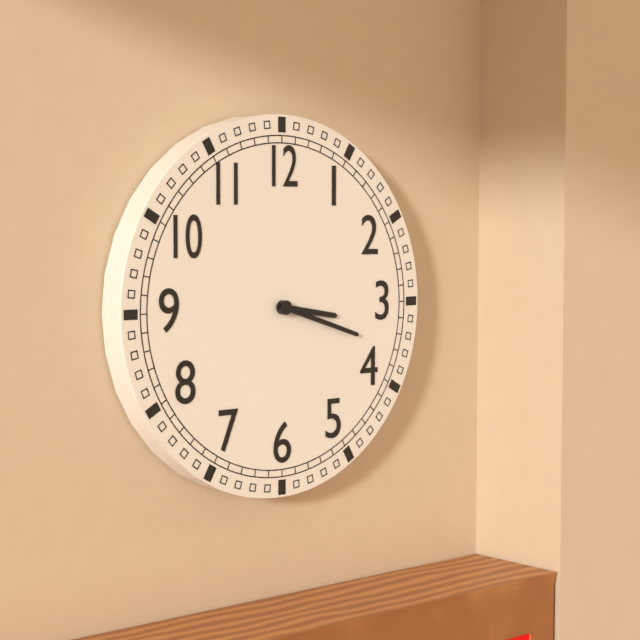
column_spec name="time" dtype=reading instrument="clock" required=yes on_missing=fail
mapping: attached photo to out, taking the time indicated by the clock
3:18
